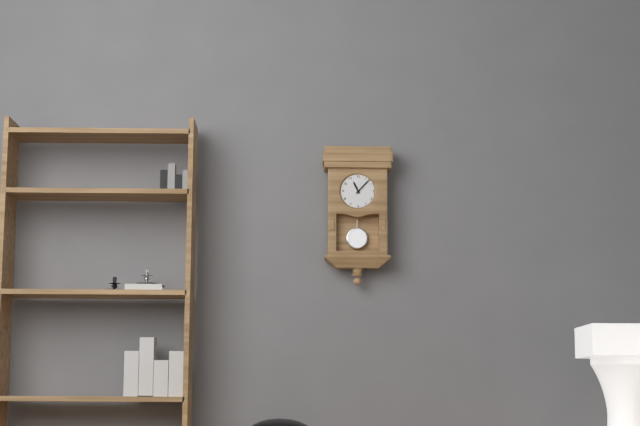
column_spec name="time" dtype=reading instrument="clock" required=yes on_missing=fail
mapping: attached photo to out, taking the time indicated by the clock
11:07
